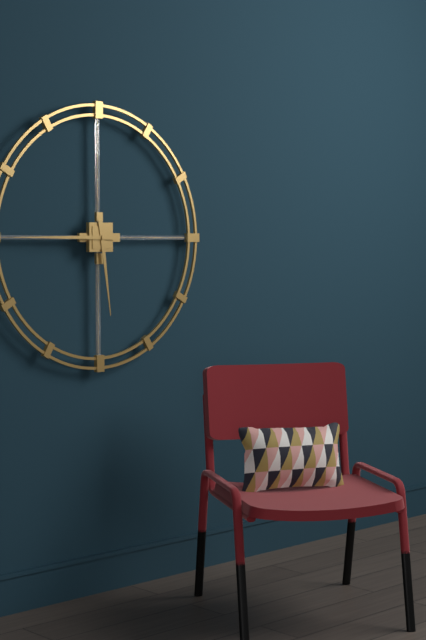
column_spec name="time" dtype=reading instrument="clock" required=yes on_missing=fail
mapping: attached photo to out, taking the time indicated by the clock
5:45
